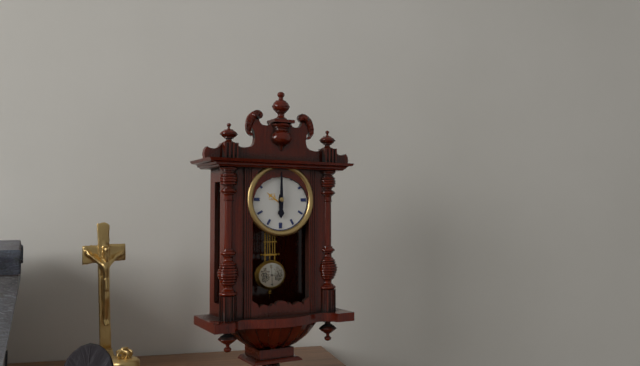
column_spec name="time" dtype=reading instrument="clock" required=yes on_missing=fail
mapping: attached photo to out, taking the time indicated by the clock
6:00
